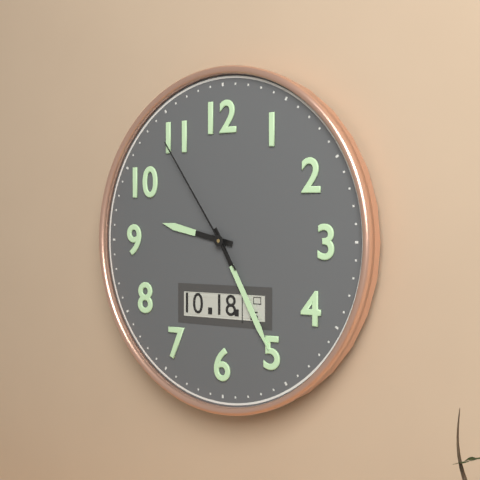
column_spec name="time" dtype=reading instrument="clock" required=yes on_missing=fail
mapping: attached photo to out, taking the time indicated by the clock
9:25:54
